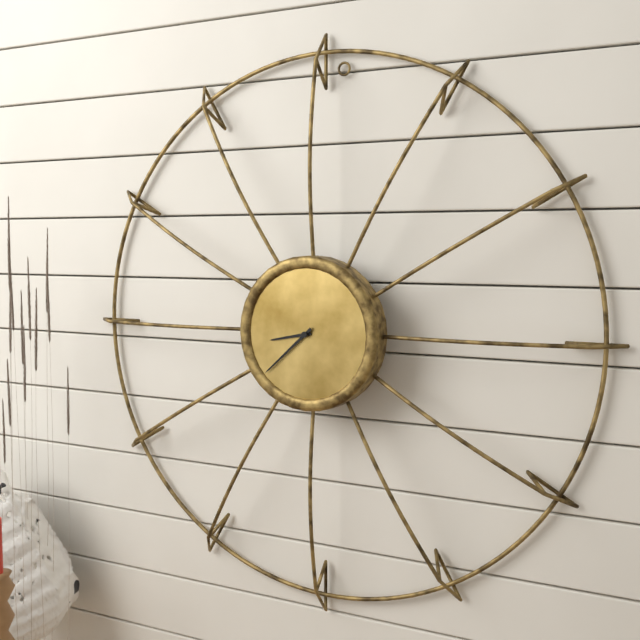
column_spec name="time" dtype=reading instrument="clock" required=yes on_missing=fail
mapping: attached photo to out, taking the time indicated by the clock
8:38
